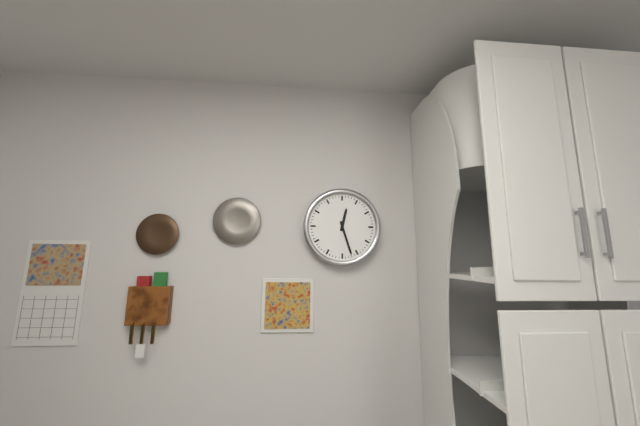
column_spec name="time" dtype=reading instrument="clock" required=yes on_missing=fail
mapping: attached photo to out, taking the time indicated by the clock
12:27
